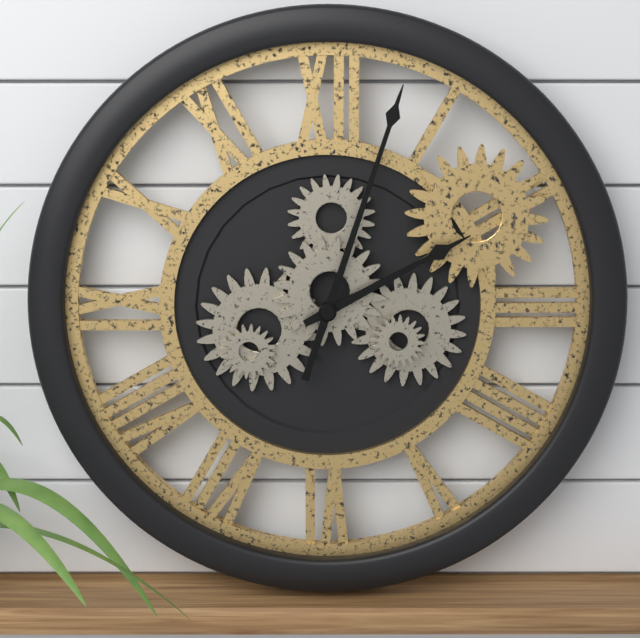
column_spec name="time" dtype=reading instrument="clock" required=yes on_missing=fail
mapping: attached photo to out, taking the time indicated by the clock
2:03
